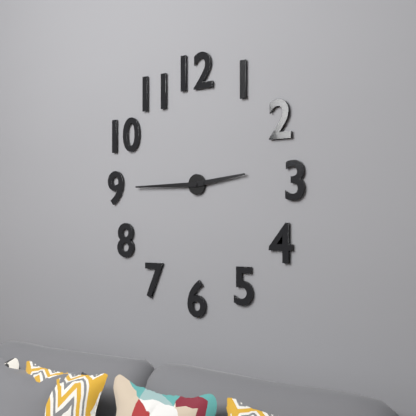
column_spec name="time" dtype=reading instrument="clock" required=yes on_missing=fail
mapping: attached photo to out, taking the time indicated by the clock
2:45
